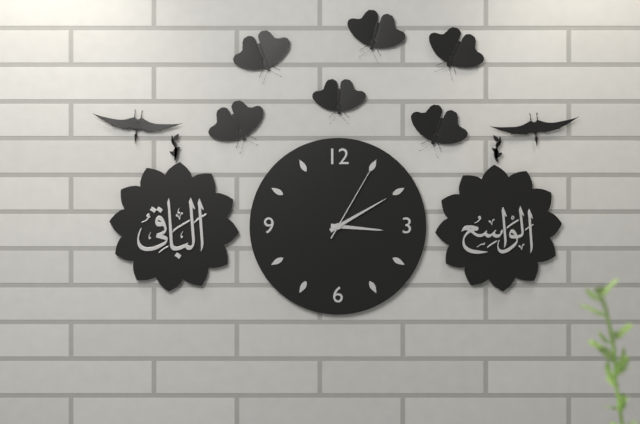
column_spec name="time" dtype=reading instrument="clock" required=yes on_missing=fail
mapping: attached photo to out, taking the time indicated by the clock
3:10:05
